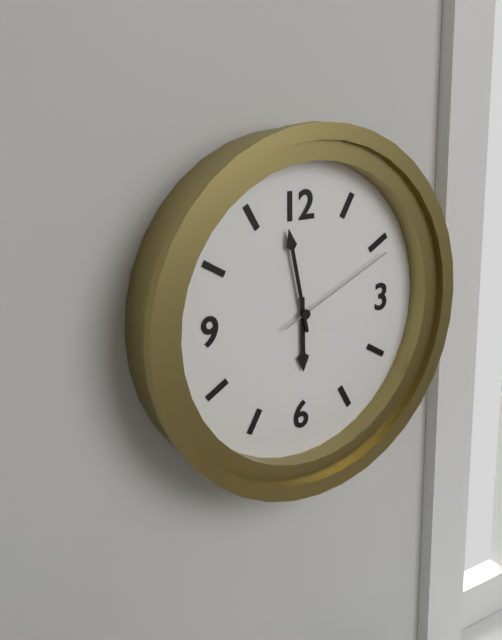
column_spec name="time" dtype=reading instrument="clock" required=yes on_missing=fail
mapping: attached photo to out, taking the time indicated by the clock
5:58:11
